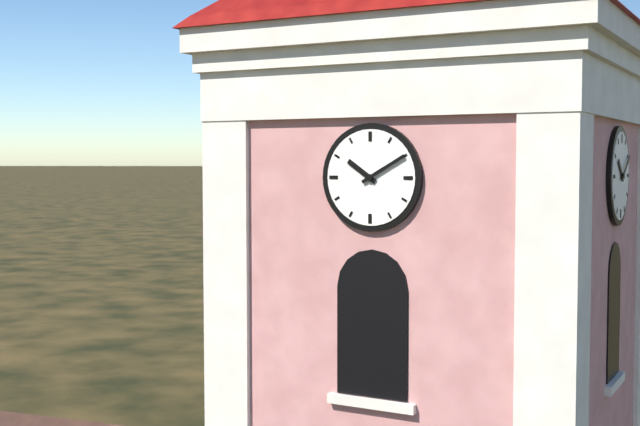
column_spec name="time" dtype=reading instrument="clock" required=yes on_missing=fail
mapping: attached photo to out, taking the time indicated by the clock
10:10
